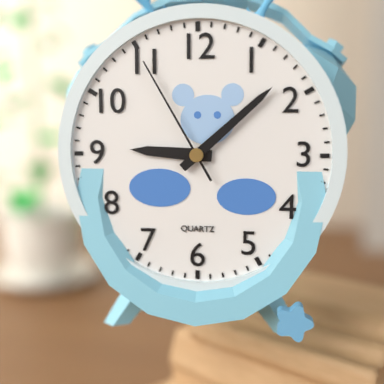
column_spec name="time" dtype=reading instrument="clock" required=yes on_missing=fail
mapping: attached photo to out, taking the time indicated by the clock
9:08:55
